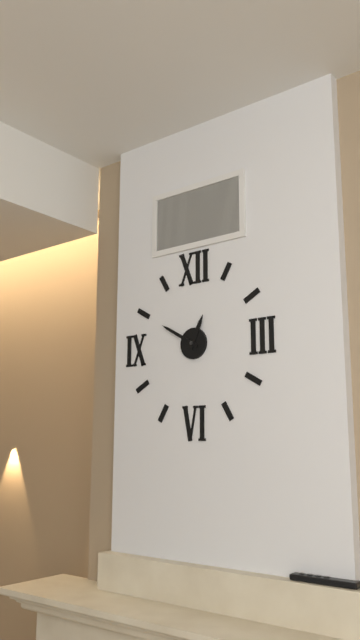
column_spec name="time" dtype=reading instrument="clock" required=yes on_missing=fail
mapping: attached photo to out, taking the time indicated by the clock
12:50
